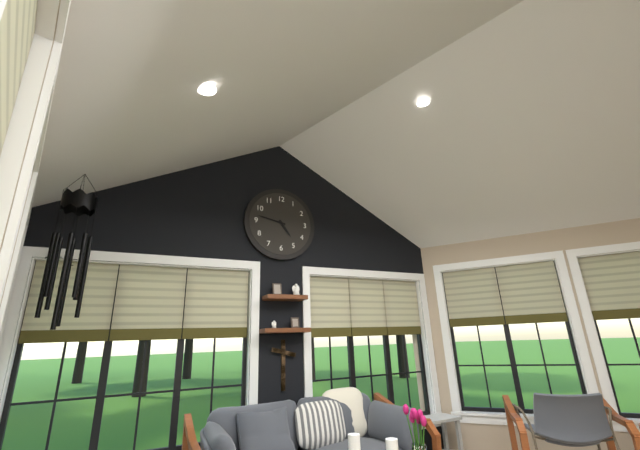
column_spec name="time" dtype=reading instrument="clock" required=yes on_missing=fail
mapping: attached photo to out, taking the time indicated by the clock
4:47
